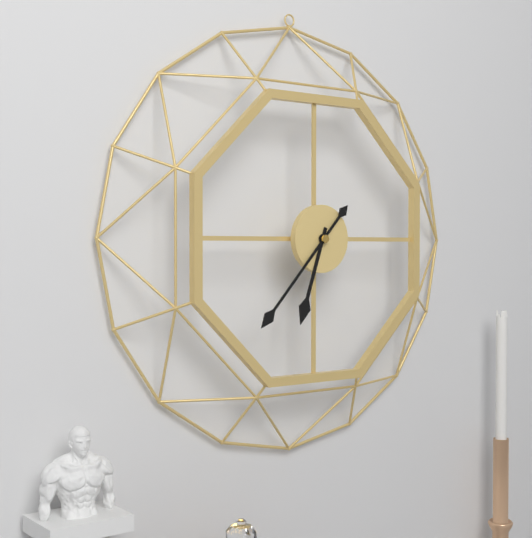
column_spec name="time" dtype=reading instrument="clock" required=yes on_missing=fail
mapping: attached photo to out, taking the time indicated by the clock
6:37
